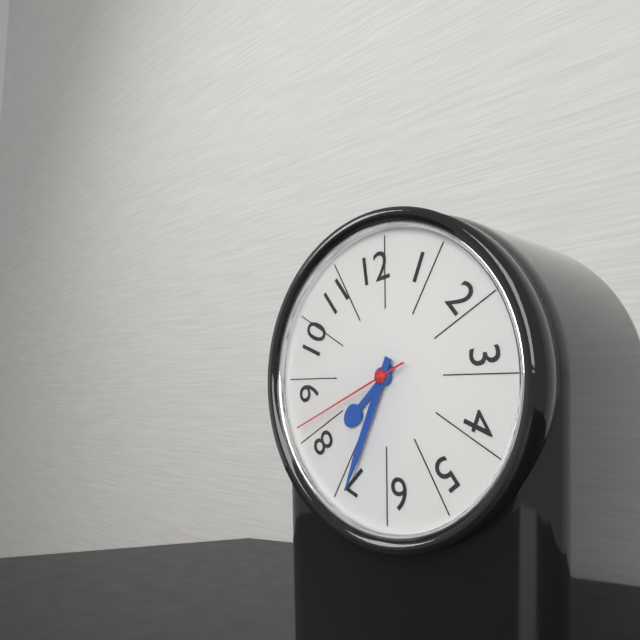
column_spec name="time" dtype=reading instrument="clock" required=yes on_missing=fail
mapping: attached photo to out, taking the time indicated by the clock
7:34:41
